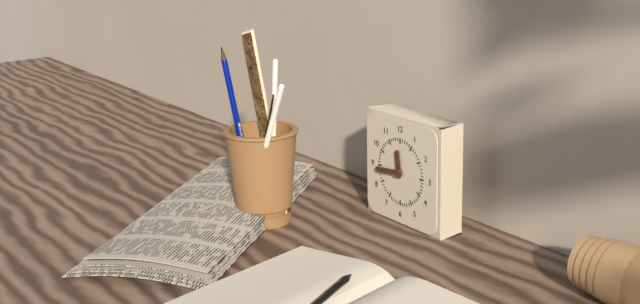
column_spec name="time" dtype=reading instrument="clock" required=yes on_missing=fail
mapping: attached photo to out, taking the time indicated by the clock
11:44
